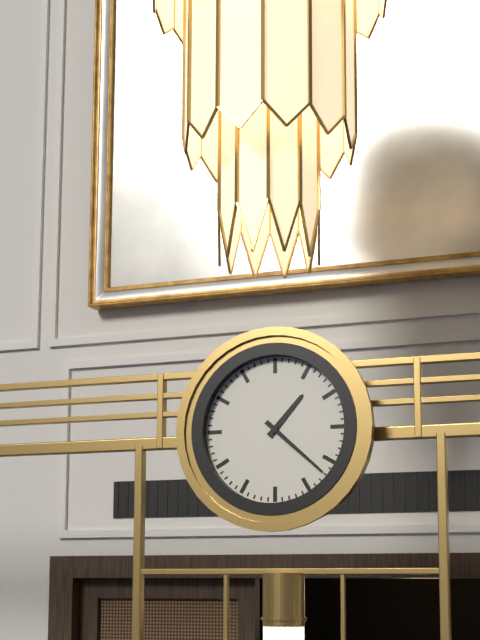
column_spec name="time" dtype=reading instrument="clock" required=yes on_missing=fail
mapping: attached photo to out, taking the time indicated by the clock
1:22
